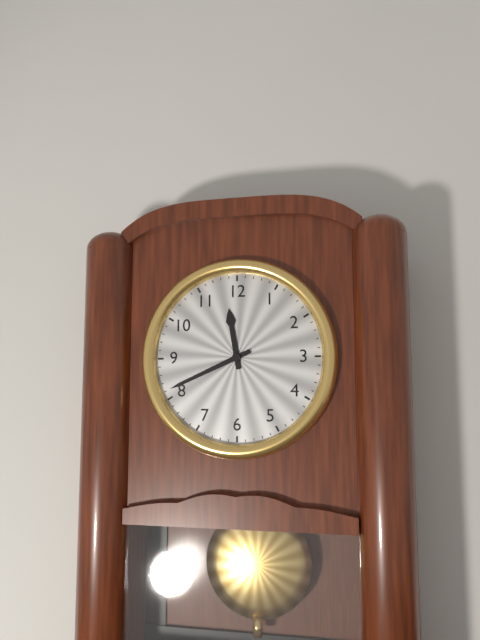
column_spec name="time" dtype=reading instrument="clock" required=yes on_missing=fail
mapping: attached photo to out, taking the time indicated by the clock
11:41
